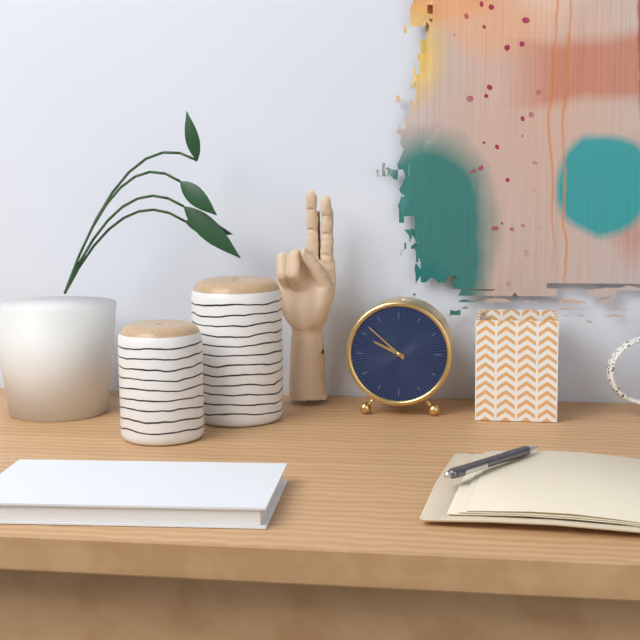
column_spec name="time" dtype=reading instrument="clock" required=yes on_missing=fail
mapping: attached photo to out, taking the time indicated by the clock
9:52
